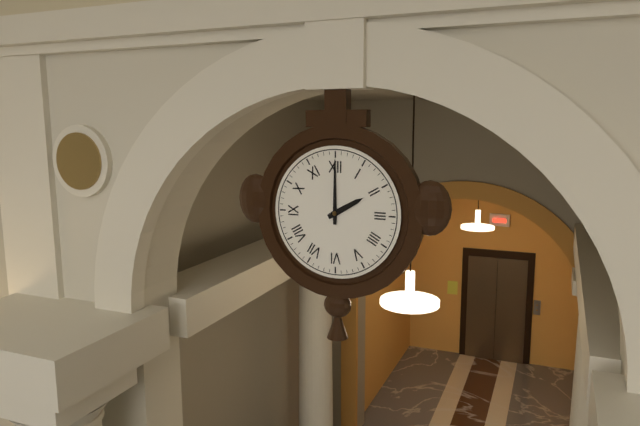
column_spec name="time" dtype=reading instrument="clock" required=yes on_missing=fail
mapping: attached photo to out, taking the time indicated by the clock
2:00
